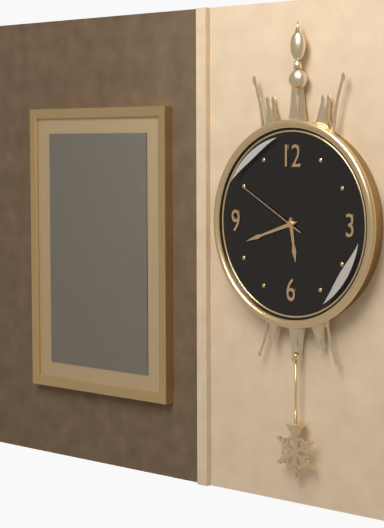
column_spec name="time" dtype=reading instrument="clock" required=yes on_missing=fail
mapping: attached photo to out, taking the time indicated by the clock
5:42:50
